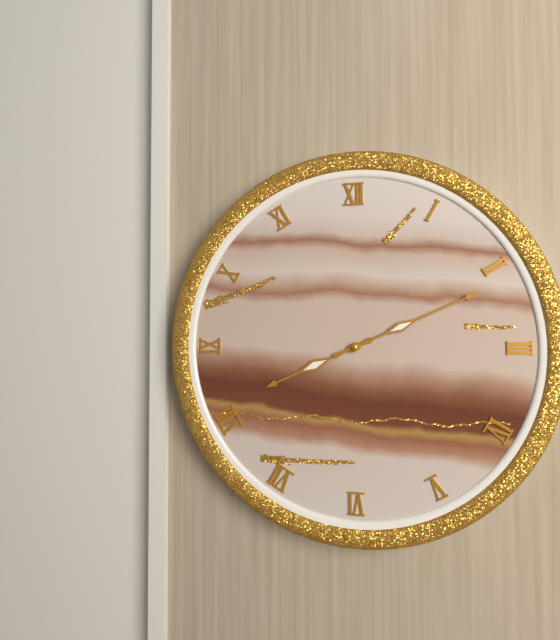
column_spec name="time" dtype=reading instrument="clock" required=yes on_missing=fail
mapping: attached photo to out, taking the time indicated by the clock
8:11
